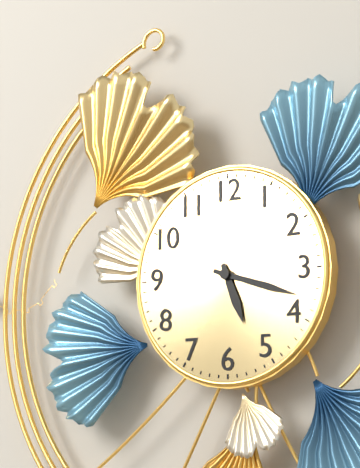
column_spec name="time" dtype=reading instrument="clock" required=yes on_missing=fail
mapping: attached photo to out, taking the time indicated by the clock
5:18
